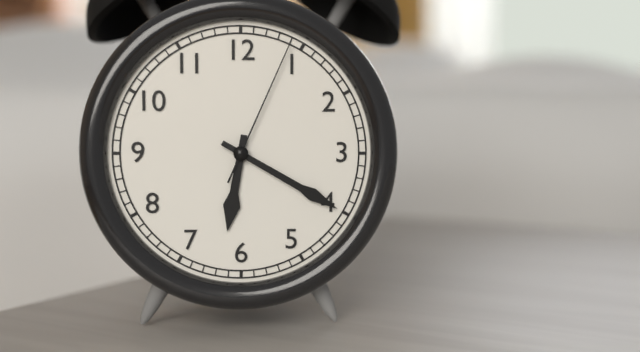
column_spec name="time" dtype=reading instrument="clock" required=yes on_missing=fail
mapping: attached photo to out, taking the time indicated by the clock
6:20:04
